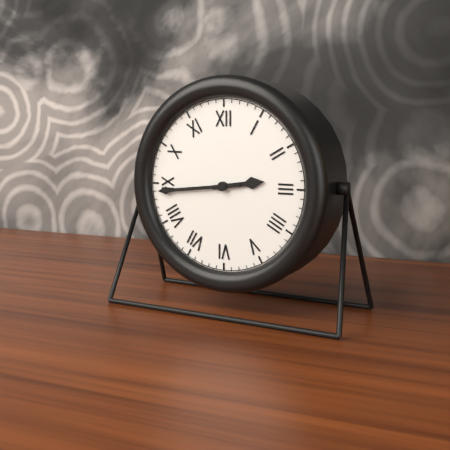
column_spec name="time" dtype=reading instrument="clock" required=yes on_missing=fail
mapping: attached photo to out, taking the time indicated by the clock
2:44
